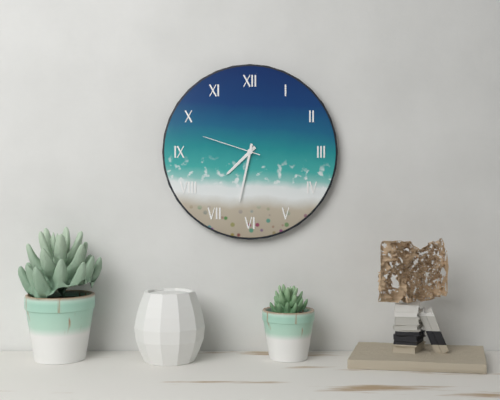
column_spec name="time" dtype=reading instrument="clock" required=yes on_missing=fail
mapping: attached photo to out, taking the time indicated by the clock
7:32:48
